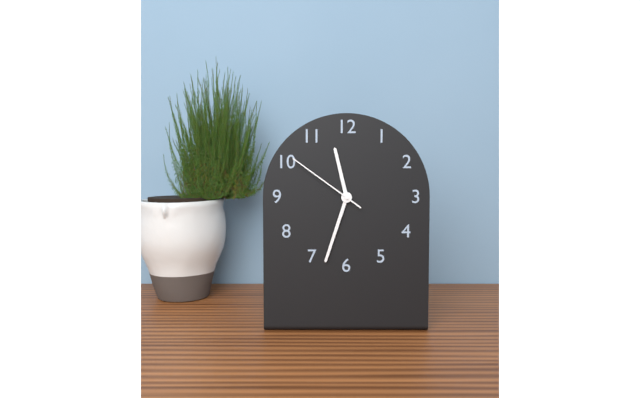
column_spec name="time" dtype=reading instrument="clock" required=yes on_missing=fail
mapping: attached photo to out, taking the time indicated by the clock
11:33:51
